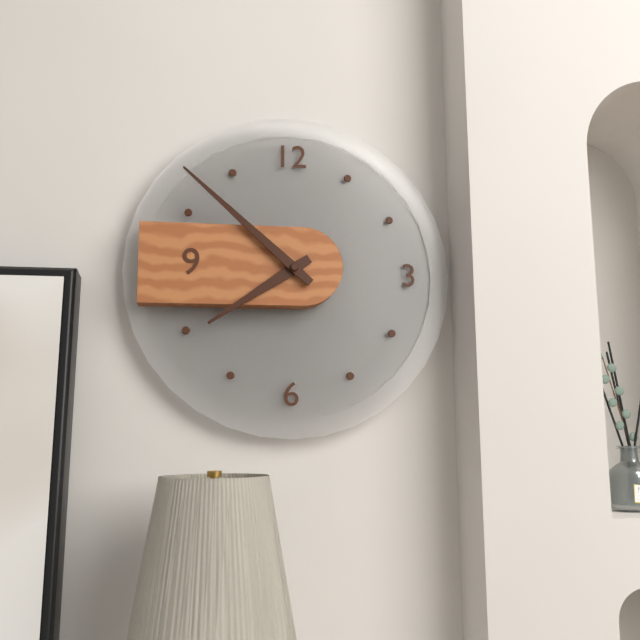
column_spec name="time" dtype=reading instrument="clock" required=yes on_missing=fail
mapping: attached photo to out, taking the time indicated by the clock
7:52
